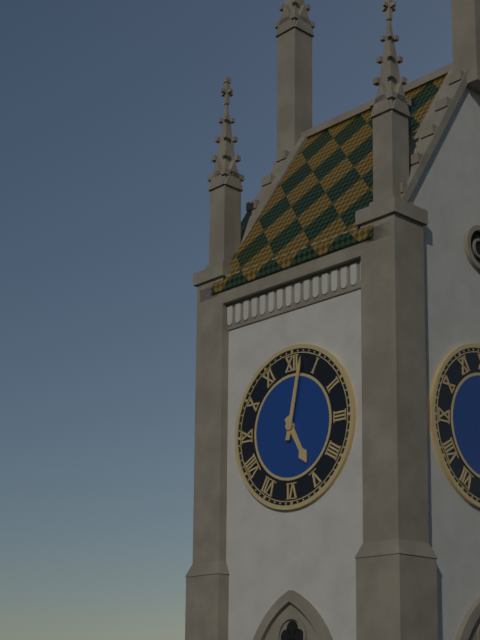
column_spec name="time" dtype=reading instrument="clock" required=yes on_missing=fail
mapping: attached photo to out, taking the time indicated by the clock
5:02
